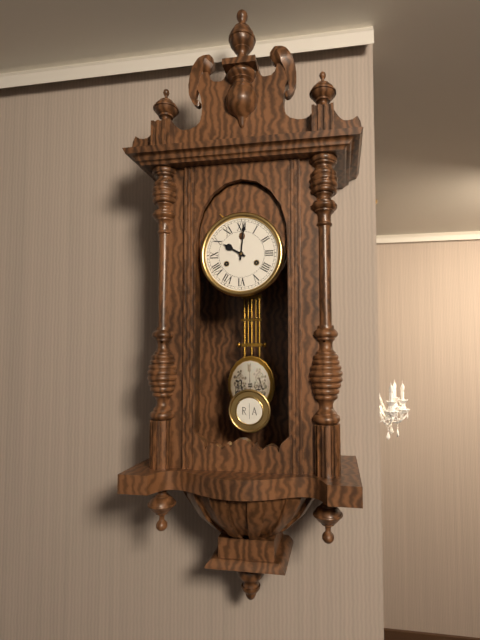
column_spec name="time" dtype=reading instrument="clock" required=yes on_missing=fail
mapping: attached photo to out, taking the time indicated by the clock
10:01
